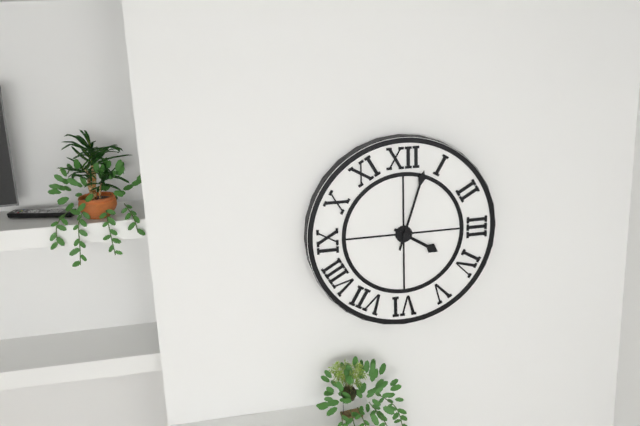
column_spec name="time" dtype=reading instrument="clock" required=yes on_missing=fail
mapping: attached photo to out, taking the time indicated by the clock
4:03
